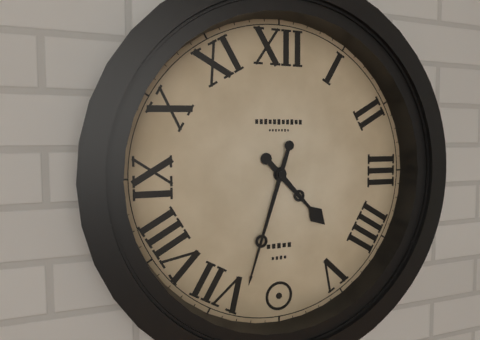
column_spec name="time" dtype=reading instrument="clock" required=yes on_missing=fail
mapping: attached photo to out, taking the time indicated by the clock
4:33
